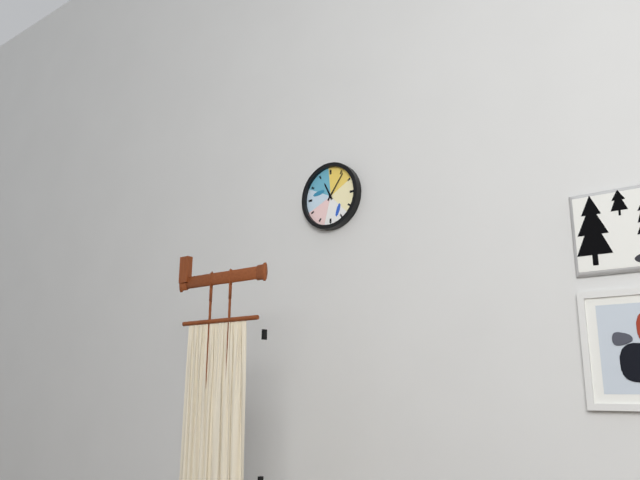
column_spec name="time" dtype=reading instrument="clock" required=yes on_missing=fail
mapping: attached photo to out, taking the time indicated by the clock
11:06
